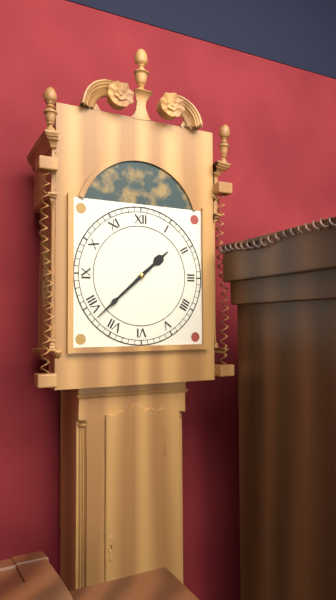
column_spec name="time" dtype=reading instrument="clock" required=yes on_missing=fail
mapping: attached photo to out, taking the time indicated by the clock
1:38
